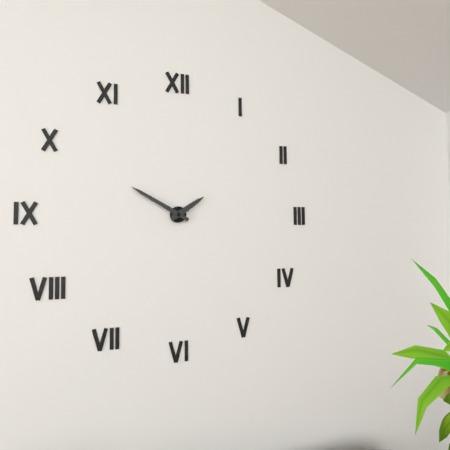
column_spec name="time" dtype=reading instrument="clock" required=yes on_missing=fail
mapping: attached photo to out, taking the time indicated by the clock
1:50
